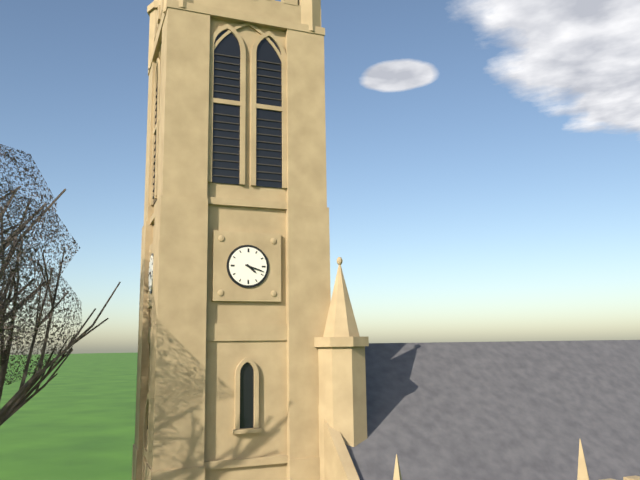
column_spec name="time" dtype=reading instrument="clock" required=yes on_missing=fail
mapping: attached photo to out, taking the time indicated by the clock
4:18
